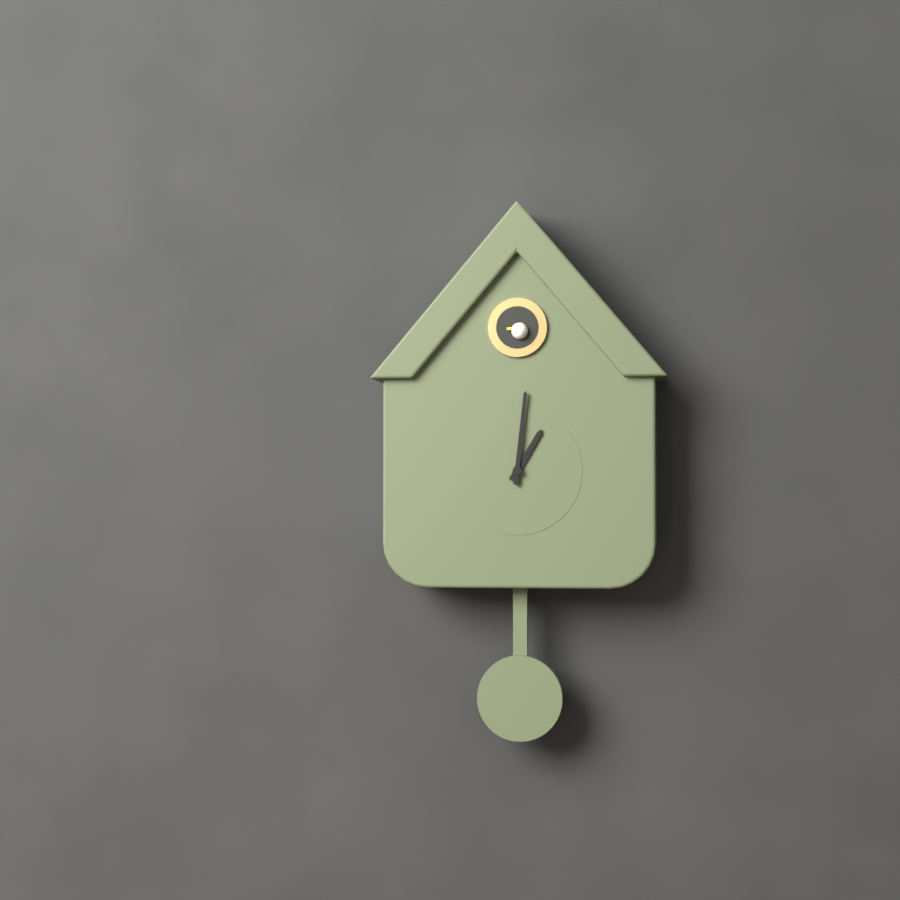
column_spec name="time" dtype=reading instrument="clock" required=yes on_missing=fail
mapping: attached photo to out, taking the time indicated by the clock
1:01
